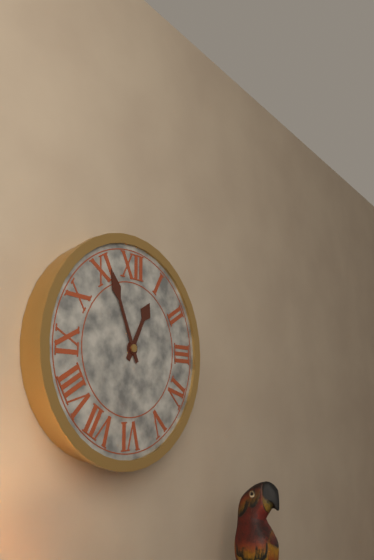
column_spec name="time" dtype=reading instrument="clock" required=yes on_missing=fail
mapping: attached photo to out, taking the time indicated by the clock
12:56
